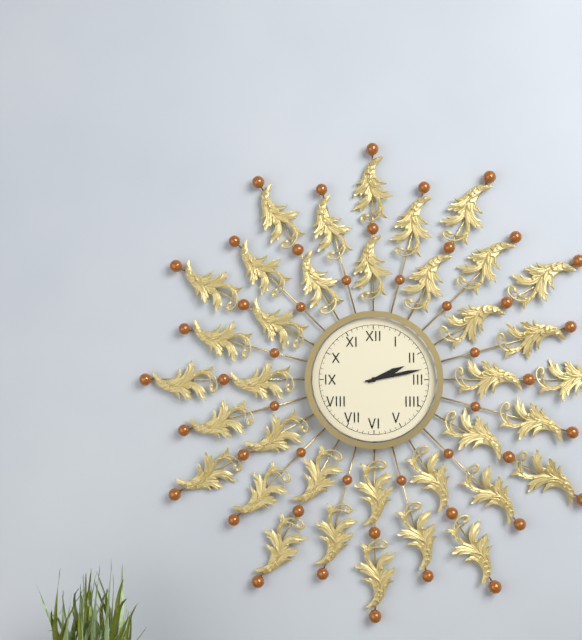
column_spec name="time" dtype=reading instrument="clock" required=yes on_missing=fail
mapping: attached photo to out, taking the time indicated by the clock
2:13
